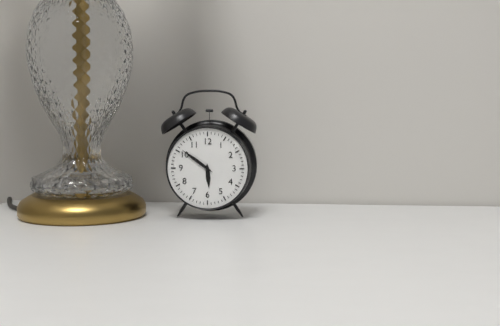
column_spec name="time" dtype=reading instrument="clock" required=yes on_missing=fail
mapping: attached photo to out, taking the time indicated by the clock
5:51
